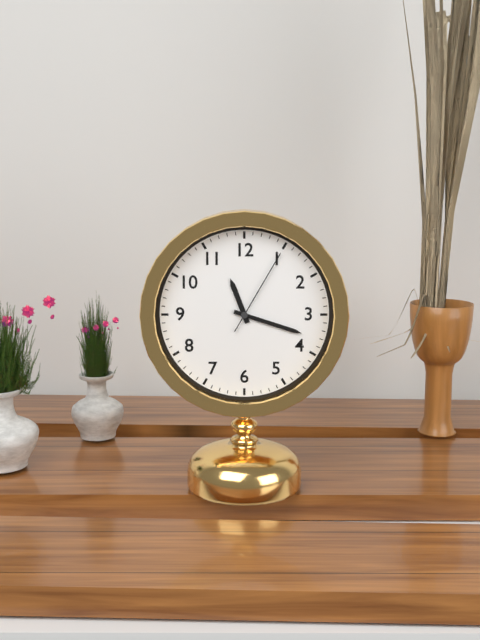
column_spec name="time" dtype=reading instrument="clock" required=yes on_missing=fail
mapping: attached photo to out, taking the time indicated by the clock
11:18:05
